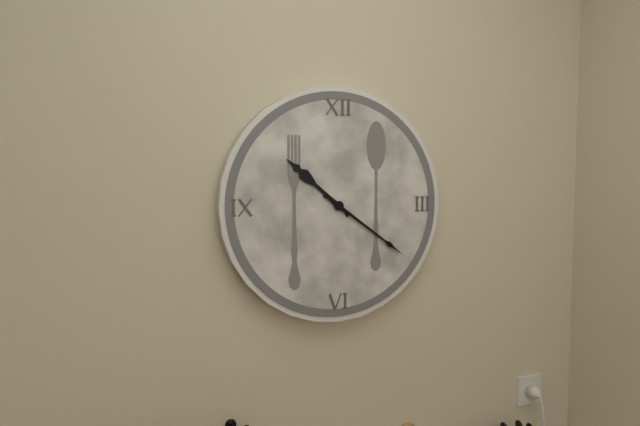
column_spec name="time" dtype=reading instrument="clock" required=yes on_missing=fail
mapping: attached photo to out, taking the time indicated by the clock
10:21
